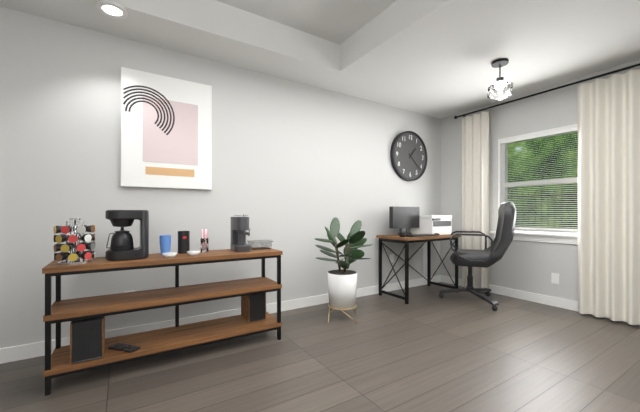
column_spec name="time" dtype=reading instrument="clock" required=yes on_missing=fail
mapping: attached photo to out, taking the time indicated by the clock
1:22
